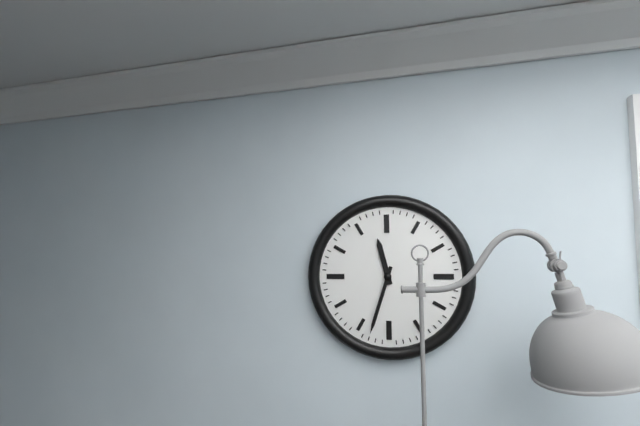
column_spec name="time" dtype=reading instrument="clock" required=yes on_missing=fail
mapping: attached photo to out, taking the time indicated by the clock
11:33
